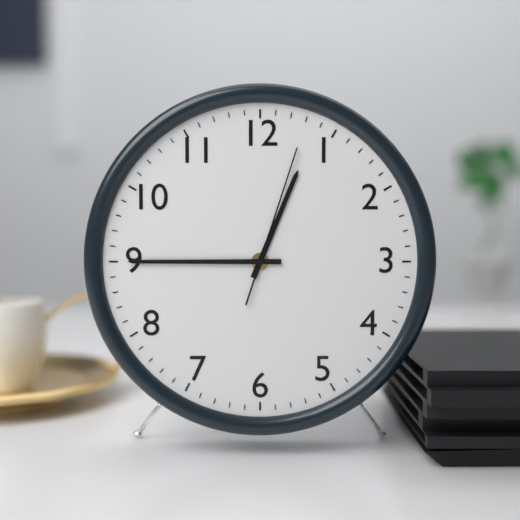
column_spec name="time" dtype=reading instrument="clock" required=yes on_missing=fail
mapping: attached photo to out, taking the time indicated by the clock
12:45:03
